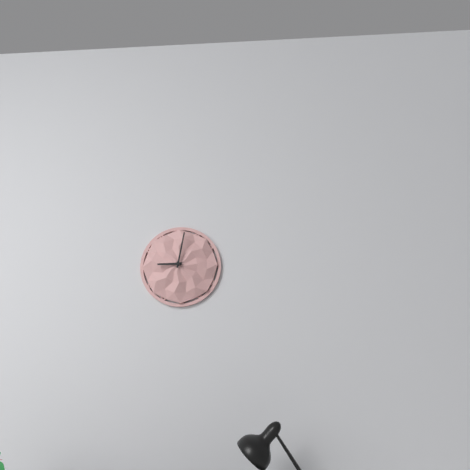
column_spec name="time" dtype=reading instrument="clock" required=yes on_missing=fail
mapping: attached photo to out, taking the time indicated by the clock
9:02
